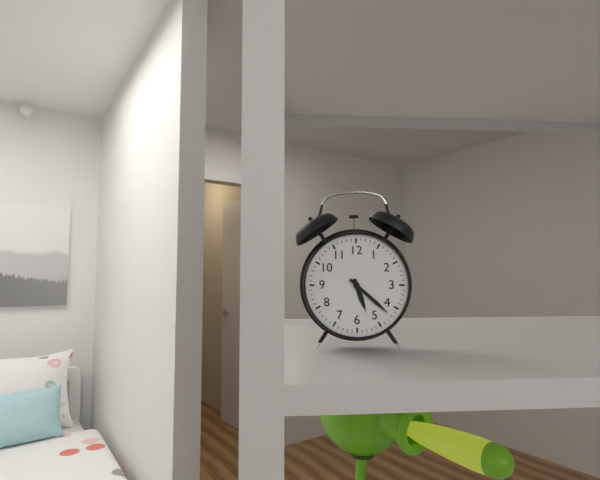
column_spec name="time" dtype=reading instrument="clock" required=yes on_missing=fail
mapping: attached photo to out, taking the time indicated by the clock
5:22
